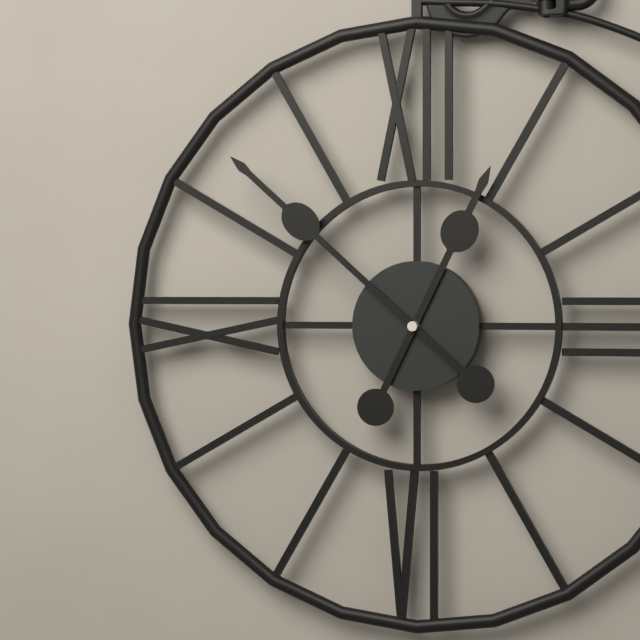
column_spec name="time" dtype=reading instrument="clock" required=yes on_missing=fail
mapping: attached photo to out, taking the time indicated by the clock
12:52
